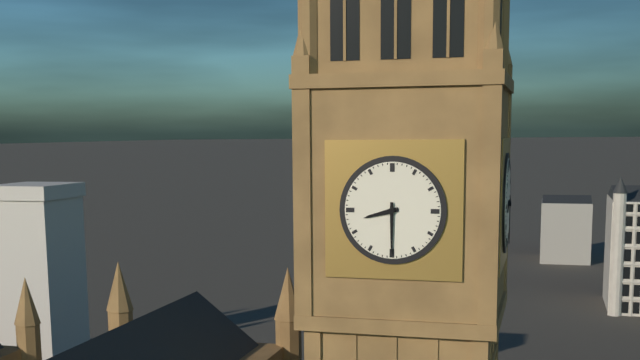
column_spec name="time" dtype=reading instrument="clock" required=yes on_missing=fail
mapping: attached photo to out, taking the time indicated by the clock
8:30
